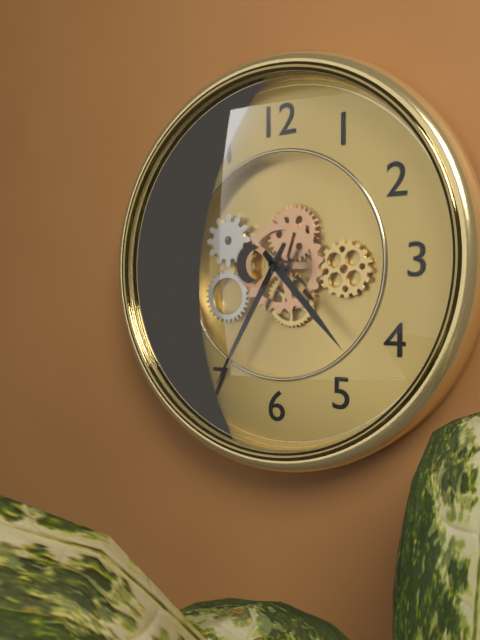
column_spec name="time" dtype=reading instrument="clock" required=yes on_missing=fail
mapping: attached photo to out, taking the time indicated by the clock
4:35
